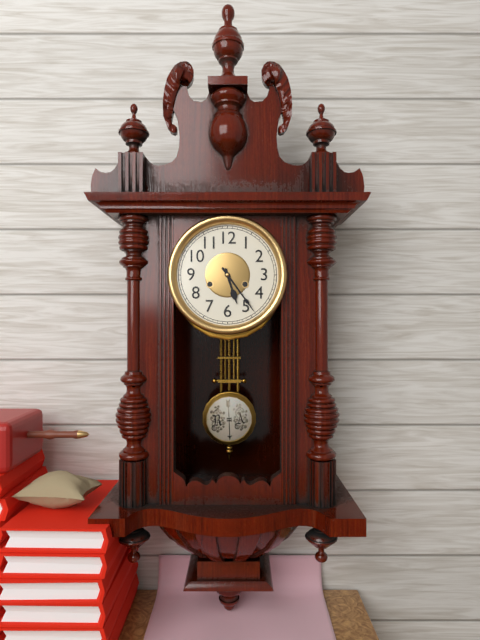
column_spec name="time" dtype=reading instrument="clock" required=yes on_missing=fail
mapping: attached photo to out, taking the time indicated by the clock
5:24
